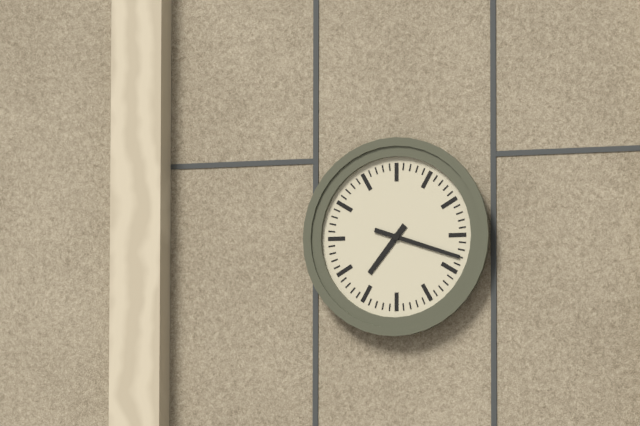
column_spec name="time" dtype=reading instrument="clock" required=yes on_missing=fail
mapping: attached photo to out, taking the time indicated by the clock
7:18
